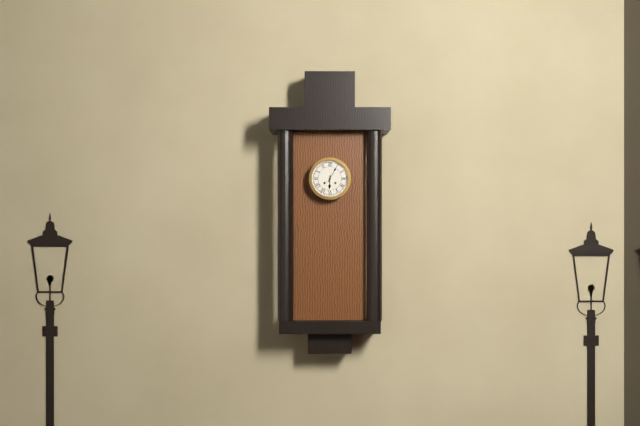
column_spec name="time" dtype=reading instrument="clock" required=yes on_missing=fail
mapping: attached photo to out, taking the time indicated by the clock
6:05
